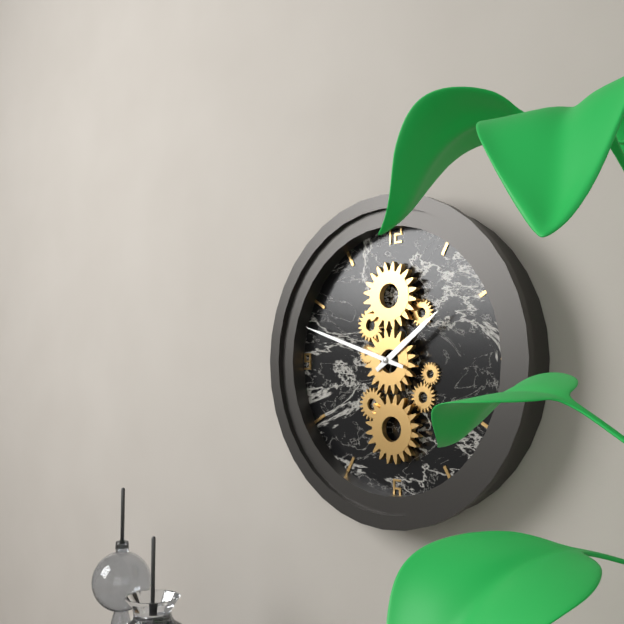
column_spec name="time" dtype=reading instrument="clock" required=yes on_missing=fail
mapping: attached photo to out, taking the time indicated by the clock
1:48
